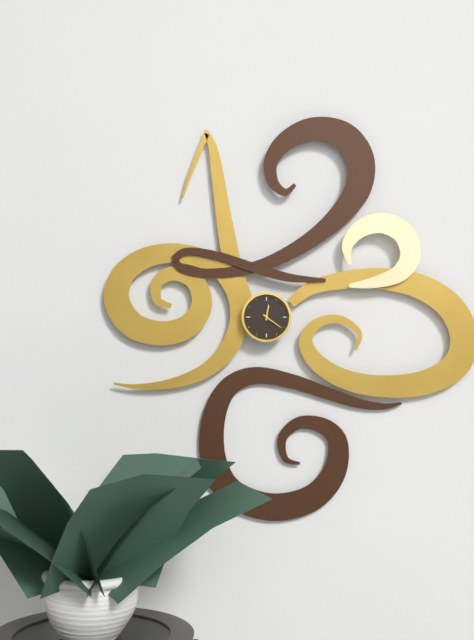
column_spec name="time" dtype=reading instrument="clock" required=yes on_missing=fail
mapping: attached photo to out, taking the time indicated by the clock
12:21
